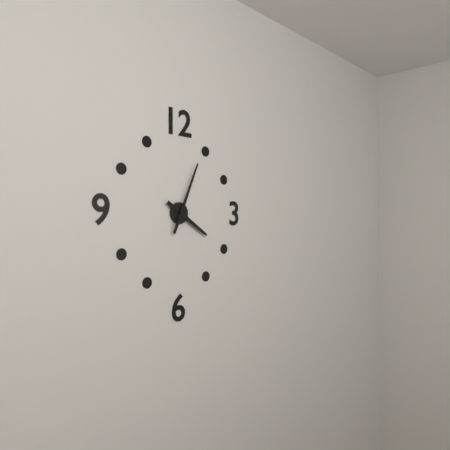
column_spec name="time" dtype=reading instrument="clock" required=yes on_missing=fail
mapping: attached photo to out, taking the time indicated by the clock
4:04
